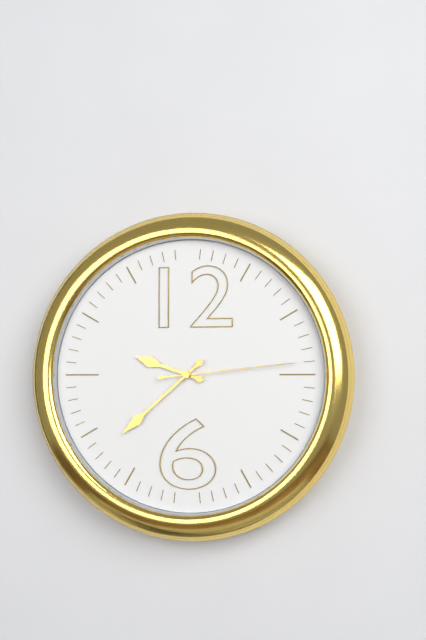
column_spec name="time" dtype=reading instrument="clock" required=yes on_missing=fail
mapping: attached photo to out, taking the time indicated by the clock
9:38:14
